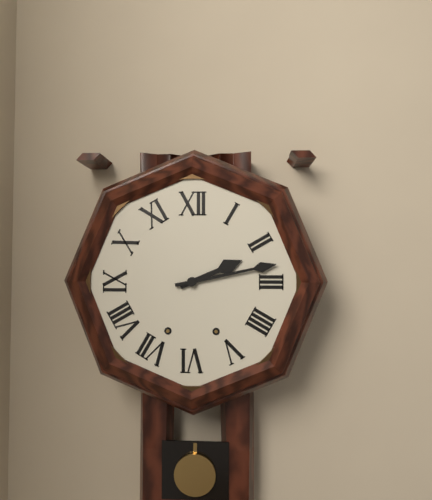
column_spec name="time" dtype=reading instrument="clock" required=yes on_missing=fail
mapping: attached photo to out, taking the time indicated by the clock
2:13
